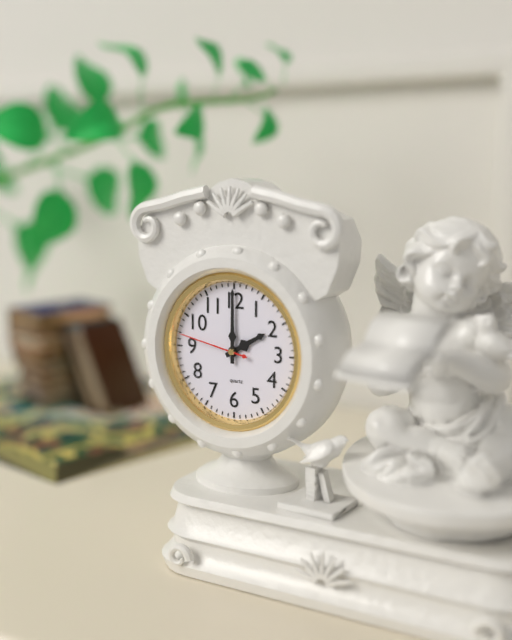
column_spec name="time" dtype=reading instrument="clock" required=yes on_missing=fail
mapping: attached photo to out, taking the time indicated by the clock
2:00:47
